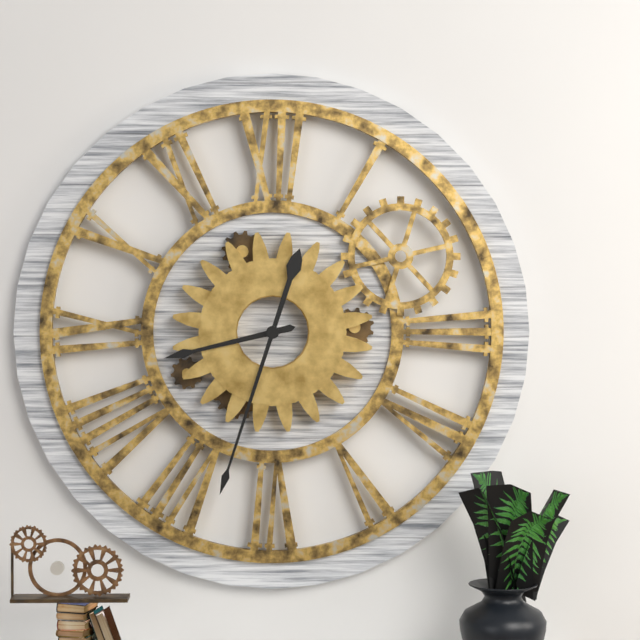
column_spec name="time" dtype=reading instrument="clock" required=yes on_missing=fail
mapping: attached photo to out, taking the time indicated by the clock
8:33
